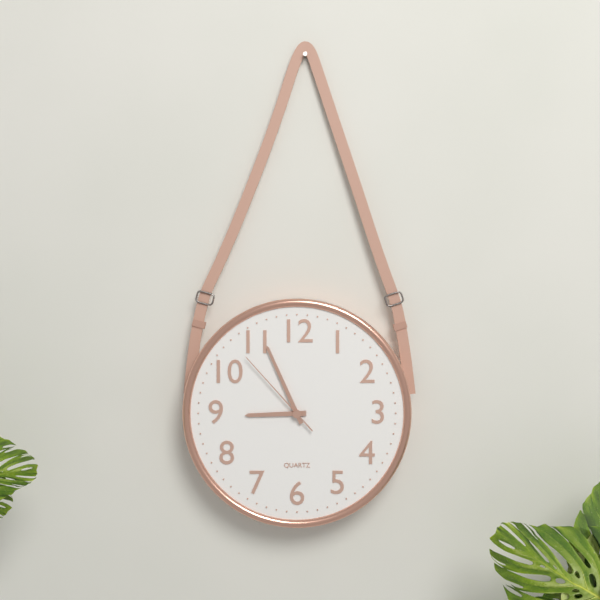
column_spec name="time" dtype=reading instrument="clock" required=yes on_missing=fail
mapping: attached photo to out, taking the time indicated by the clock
8:56:53
